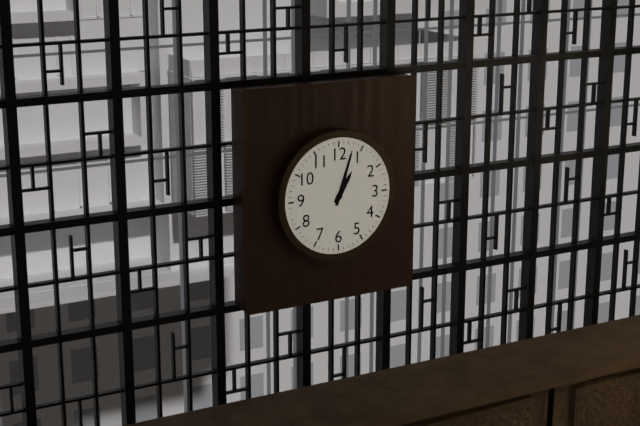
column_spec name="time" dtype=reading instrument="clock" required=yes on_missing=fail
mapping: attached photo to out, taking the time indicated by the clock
1:03
